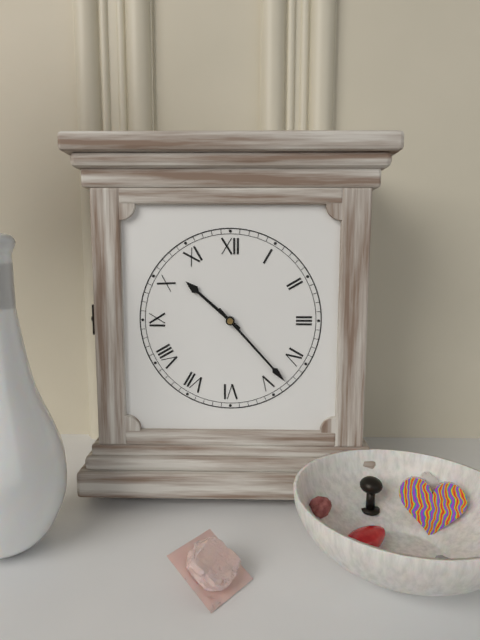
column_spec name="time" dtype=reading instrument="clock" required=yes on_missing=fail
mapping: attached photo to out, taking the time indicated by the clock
10:23
